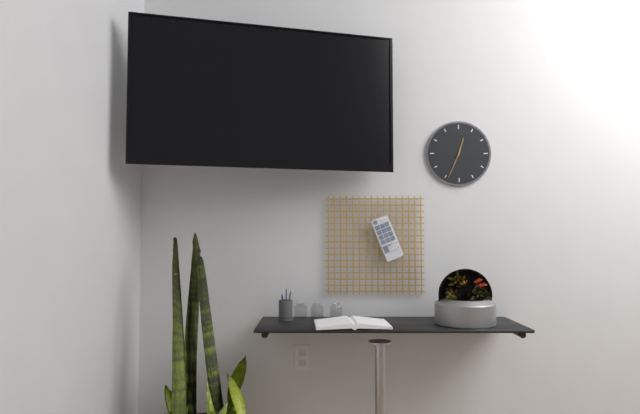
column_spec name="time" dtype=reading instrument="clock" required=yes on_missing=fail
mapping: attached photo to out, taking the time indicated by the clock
12:34
